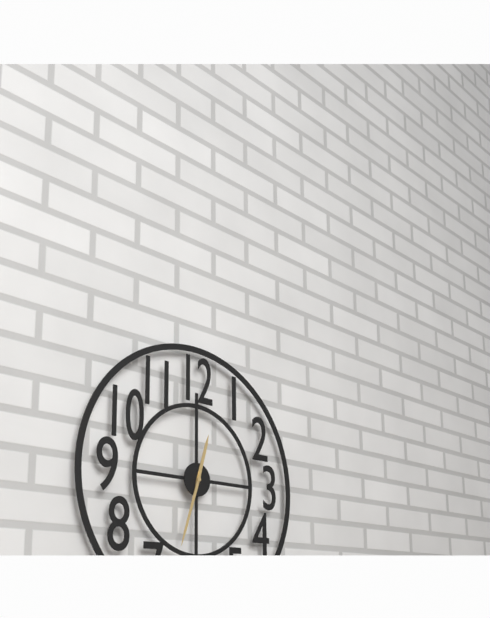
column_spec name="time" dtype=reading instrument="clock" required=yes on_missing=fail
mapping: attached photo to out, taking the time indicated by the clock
12:33
